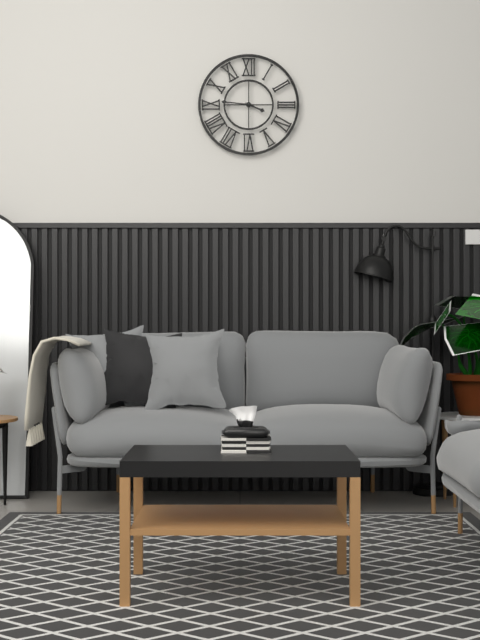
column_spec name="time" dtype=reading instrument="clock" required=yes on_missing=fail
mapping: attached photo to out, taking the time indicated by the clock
3:46
